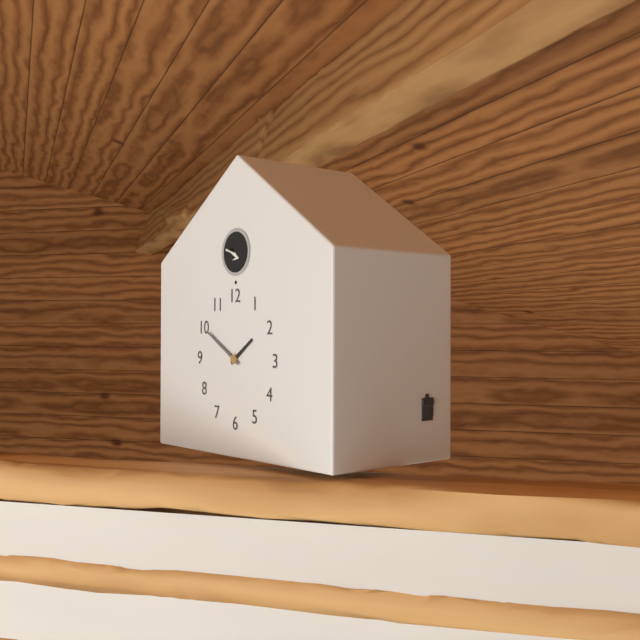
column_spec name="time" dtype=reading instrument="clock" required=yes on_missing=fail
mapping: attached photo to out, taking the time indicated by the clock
1:50
